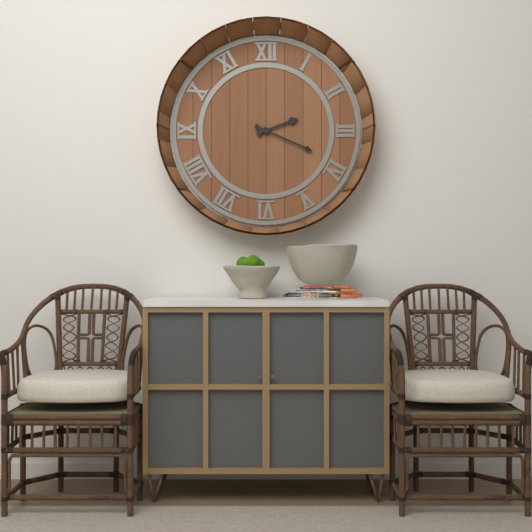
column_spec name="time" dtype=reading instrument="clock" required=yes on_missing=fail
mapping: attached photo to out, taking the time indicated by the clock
2:19
